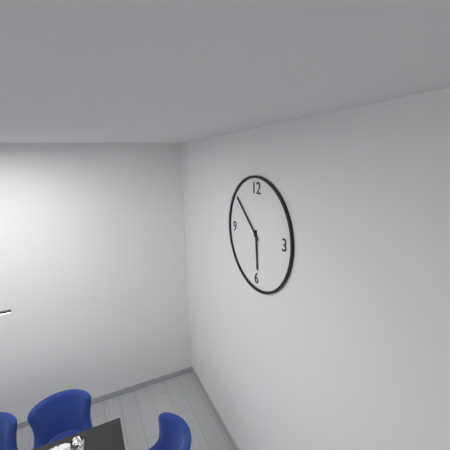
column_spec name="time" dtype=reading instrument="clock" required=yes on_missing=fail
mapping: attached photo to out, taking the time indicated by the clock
5:52
